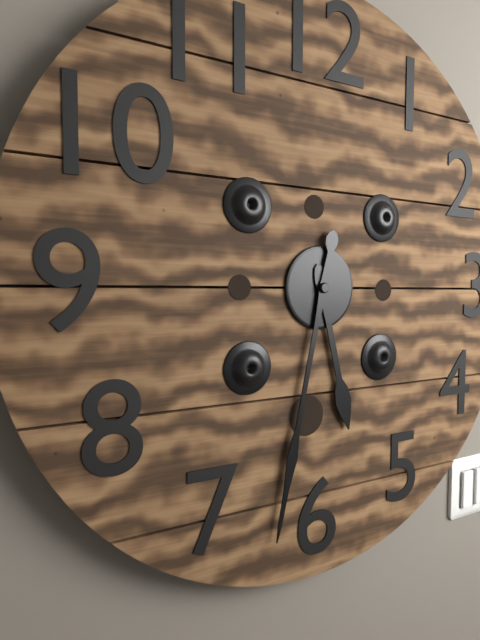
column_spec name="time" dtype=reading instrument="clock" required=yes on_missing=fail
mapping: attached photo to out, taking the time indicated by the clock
5:32
